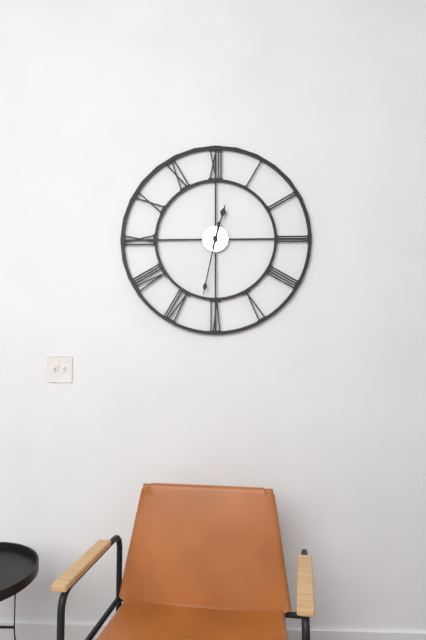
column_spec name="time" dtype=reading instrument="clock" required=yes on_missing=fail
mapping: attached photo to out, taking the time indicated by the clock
12:32
